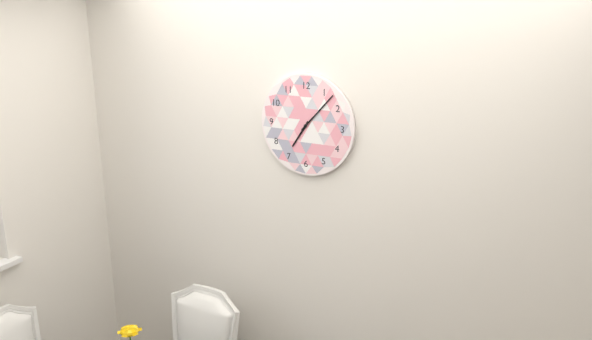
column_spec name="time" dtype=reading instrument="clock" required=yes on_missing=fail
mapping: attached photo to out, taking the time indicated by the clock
7:07
